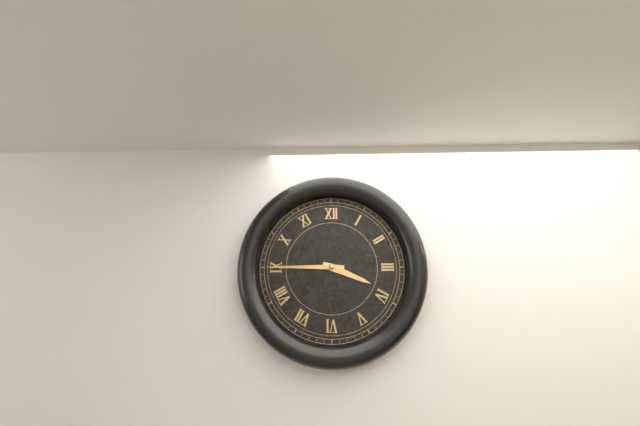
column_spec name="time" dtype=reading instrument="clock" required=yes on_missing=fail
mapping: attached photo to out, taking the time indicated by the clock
3:45
